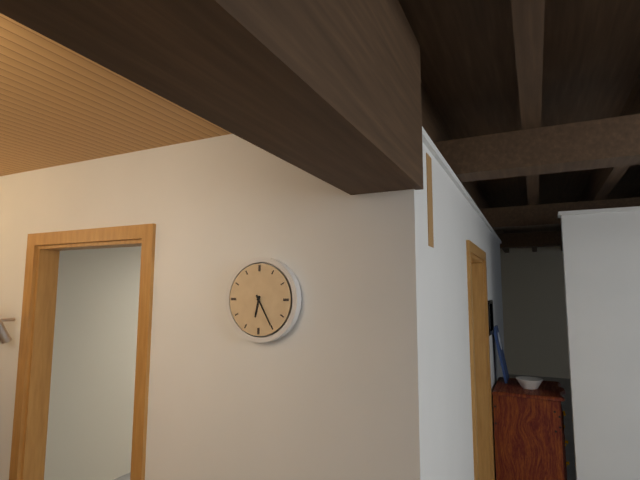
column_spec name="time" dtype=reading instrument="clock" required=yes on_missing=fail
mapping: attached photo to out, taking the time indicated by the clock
6:25
